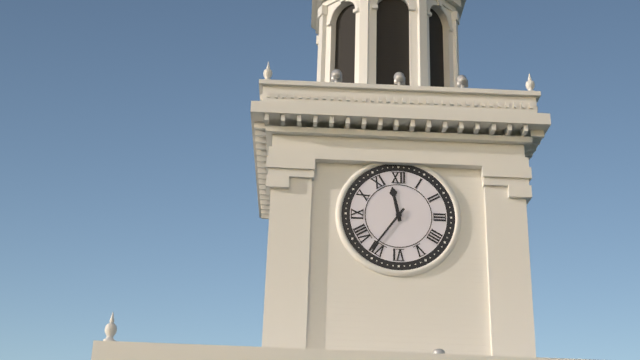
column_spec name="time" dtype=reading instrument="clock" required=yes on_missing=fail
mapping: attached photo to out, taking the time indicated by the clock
11:36
